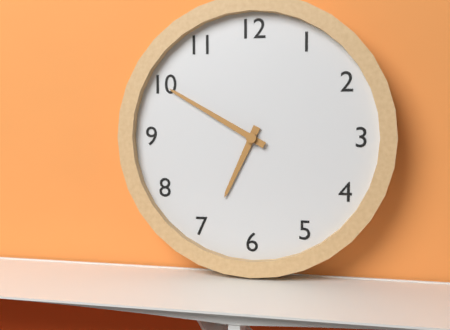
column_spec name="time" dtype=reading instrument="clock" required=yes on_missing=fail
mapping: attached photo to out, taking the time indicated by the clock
6:50
